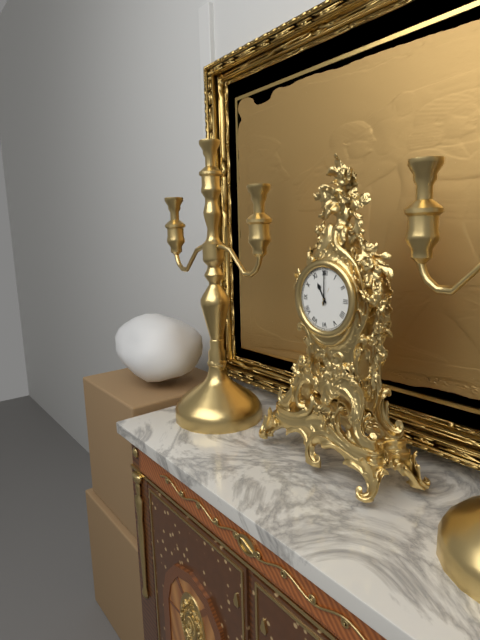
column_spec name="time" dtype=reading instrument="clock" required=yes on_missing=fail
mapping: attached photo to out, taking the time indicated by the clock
11:00
